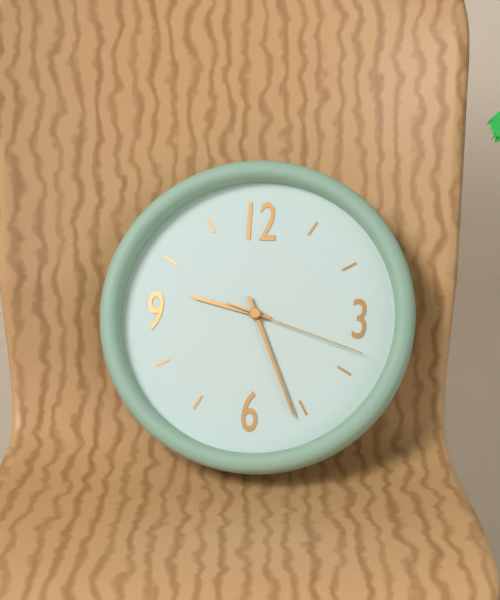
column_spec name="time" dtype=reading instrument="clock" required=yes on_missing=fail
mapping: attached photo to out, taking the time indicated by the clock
9:26:18
